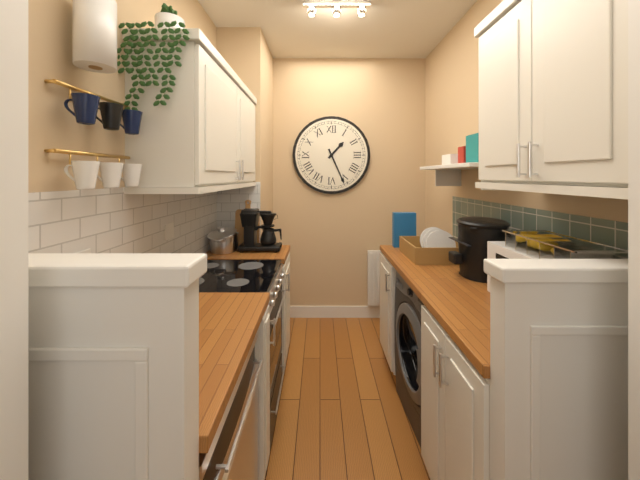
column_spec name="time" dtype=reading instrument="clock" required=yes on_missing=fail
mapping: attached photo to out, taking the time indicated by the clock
1:26
